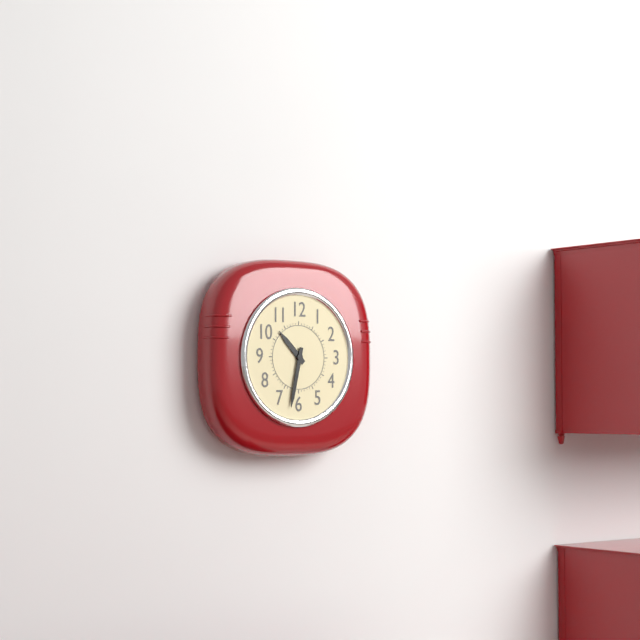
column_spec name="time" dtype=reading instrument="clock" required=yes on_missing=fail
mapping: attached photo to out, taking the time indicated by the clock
10:32
